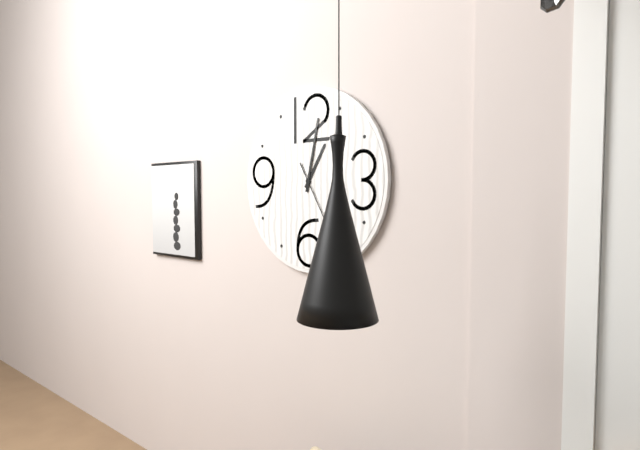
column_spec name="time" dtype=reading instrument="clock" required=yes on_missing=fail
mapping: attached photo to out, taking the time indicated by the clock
1:02
